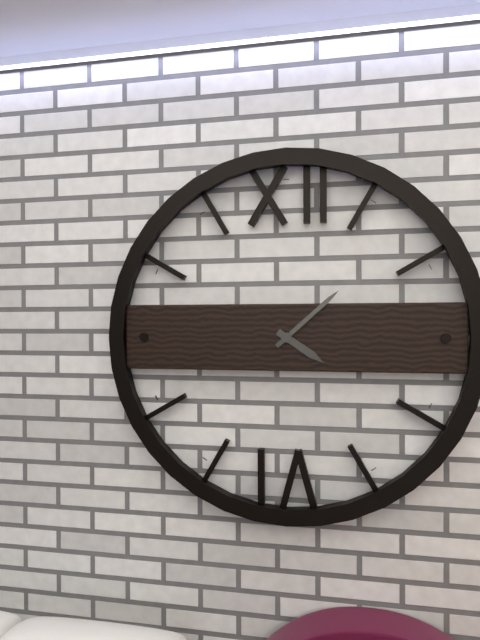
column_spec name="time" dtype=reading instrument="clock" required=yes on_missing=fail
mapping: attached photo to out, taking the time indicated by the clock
4:08
